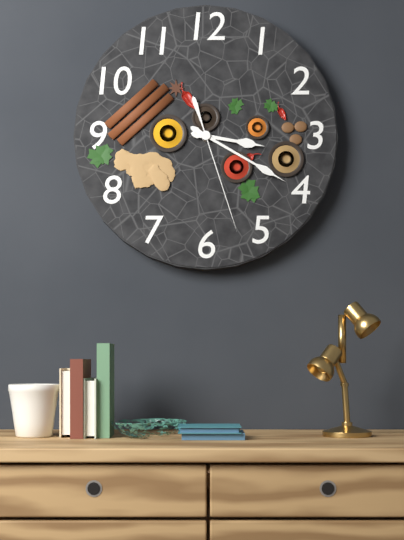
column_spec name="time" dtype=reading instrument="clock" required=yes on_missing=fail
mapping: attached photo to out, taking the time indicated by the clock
3:20:27
